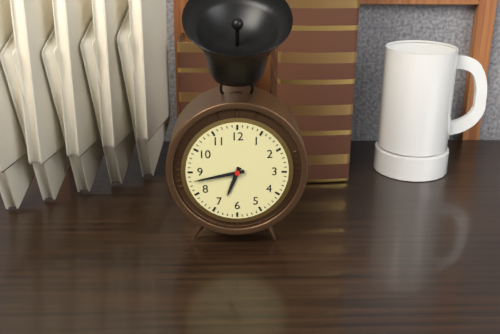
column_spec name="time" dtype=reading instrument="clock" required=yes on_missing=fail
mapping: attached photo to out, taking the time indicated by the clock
6:43
